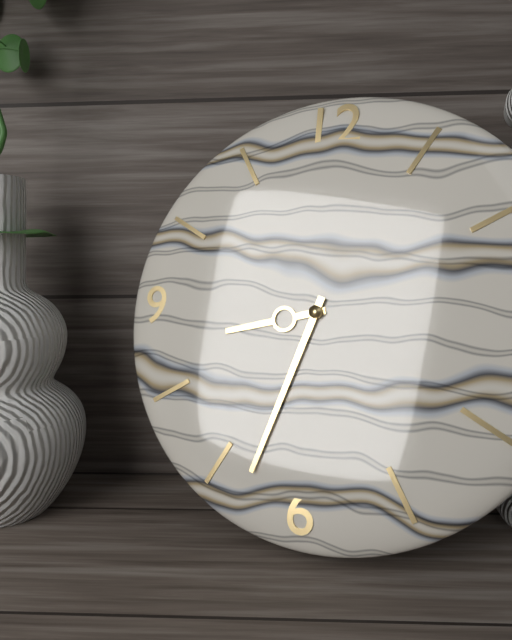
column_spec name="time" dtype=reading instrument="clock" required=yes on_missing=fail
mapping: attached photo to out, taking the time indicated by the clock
8:33
